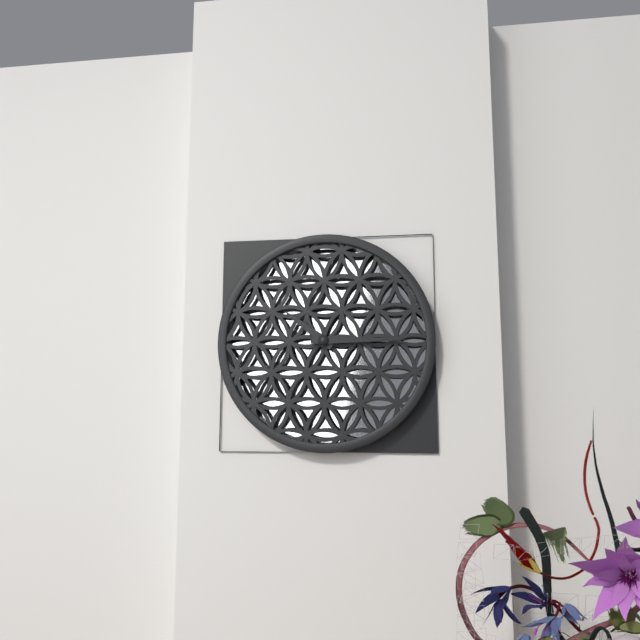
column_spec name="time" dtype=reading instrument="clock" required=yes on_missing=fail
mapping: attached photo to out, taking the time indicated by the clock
10:15
